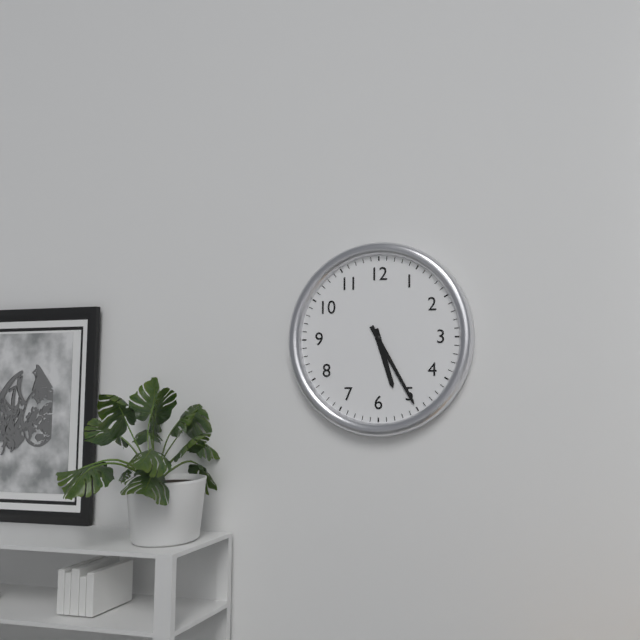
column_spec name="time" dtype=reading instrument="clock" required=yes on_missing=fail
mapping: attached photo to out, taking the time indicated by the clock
5:25
